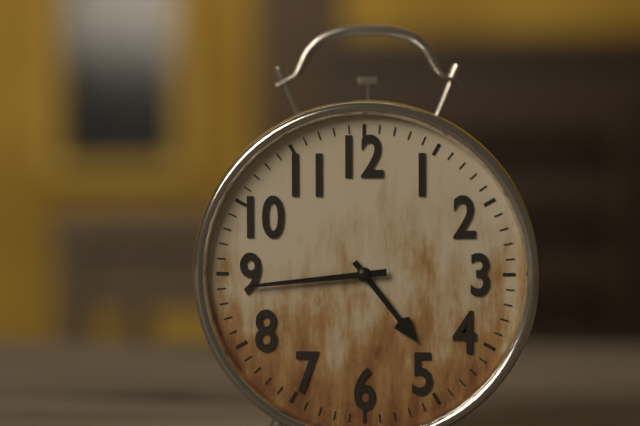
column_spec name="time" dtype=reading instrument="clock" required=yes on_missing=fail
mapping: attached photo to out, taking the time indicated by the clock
4:44
